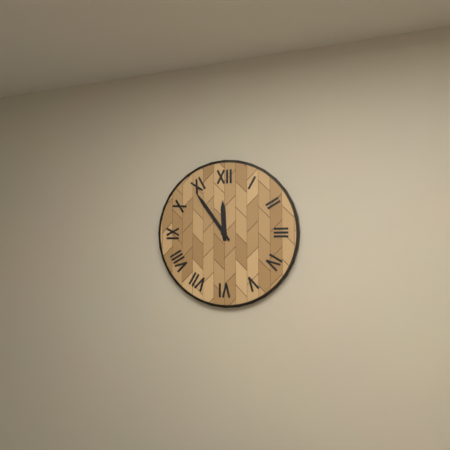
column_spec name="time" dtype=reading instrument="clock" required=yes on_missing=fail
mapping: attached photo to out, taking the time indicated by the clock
11:54
